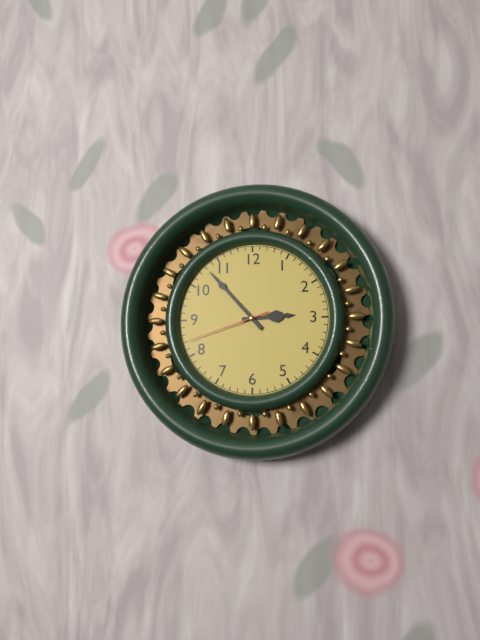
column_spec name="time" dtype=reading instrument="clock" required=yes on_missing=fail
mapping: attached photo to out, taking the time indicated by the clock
2:53:42
